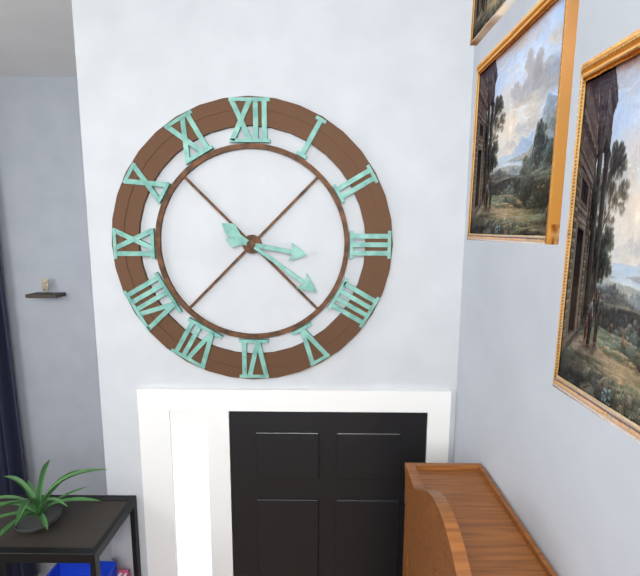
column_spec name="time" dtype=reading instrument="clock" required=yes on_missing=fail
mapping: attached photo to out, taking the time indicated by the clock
3:21
